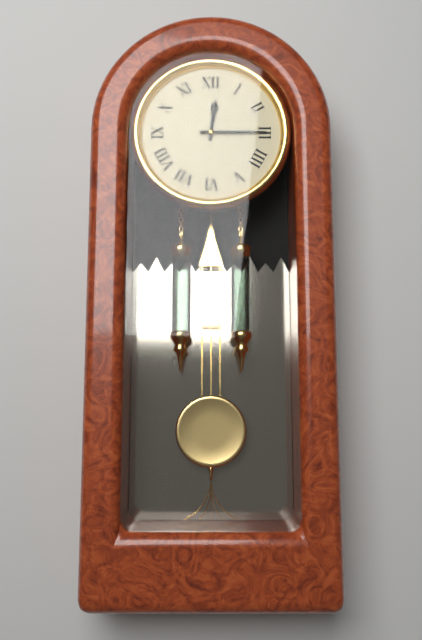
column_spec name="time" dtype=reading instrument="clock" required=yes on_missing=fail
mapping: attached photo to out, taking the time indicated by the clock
12:15
